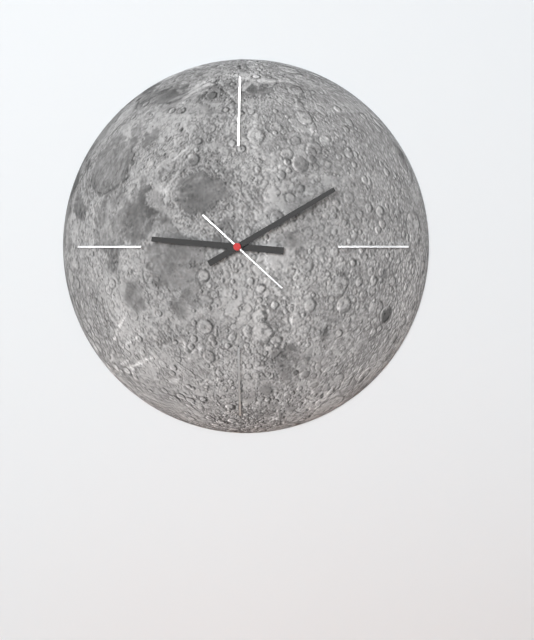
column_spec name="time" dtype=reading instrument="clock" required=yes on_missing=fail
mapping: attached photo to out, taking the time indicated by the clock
9:10:22
